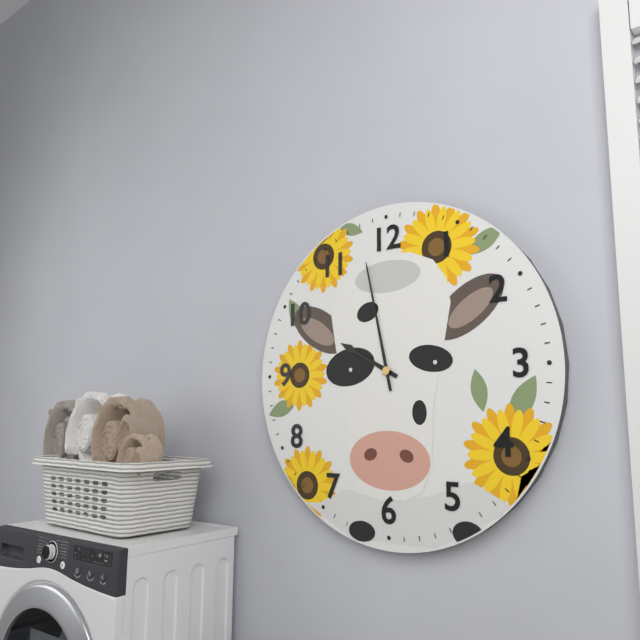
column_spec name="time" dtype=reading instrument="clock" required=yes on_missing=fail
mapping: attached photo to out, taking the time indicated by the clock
9:58
